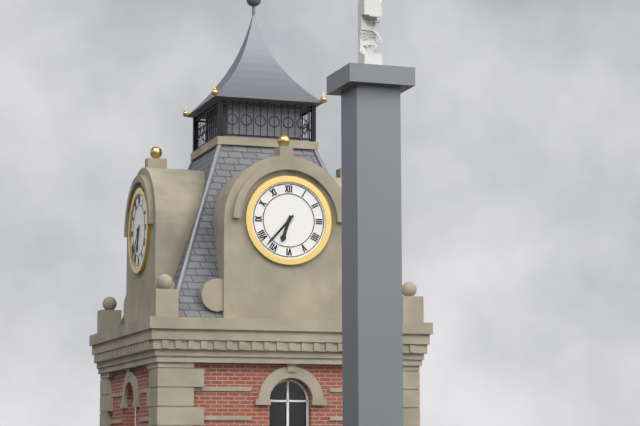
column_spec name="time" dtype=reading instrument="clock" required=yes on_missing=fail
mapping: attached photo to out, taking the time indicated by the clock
6:37
